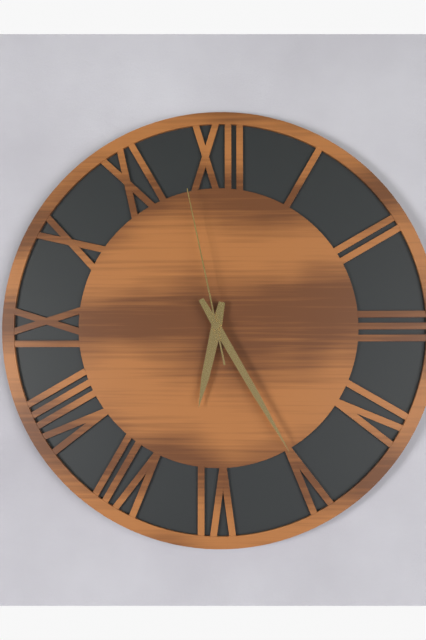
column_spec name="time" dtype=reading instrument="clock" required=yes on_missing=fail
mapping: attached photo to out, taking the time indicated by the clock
6:25:58
